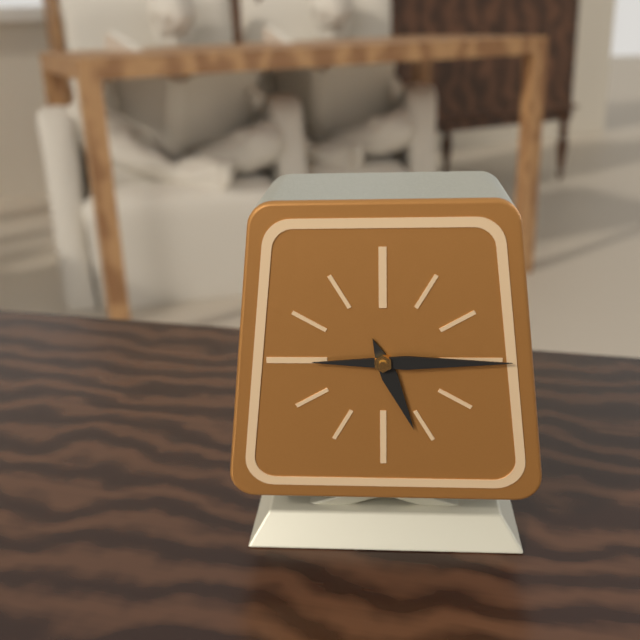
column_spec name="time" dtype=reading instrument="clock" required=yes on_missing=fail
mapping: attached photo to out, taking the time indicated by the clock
5:15
